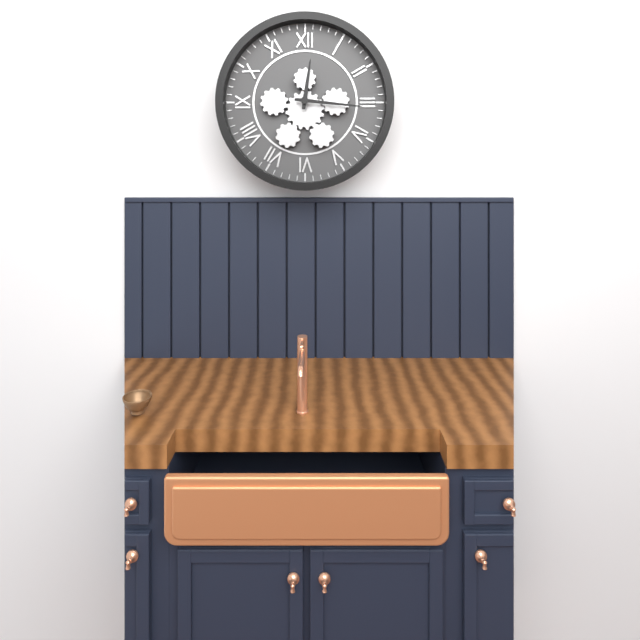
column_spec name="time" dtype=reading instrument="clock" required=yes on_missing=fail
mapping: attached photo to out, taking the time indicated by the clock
12:16
